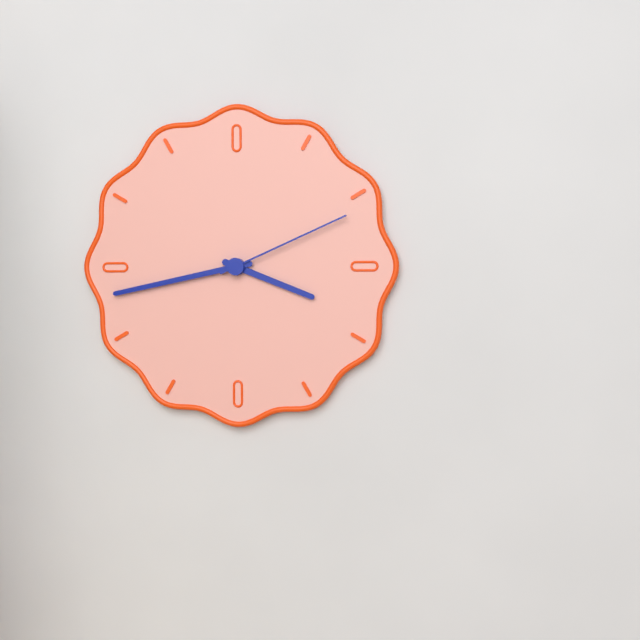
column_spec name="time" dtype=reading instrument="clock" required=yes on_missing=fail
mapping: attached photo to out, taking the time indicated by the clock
3:43:11
